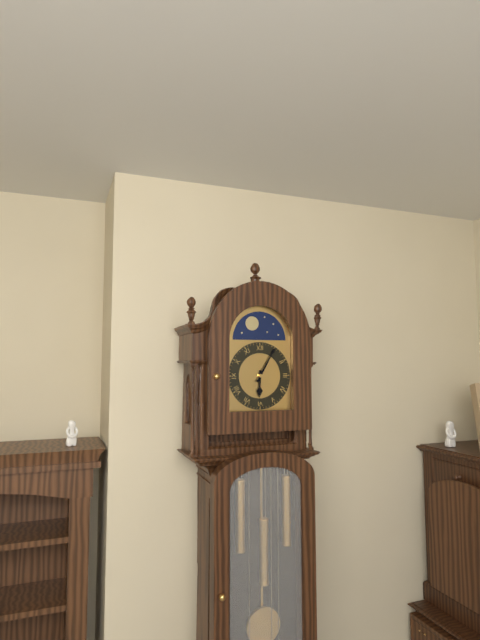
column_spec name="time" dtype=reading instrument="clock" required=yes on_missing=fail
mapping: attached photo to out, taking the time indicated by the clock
6:05
